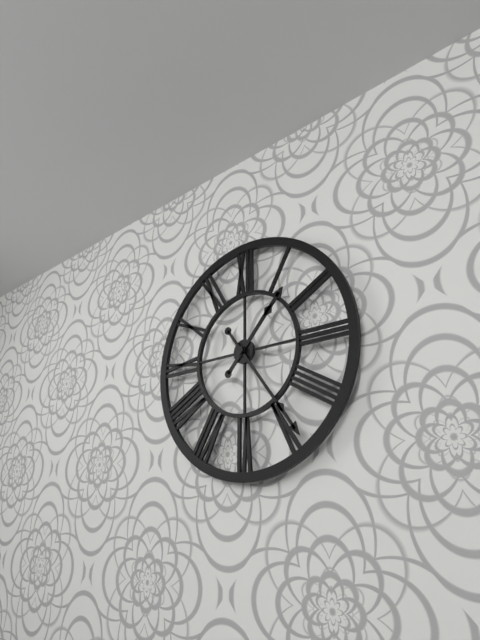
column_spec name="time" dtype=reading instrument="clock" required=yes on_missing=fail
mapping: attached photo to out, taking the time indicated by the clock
1:24
